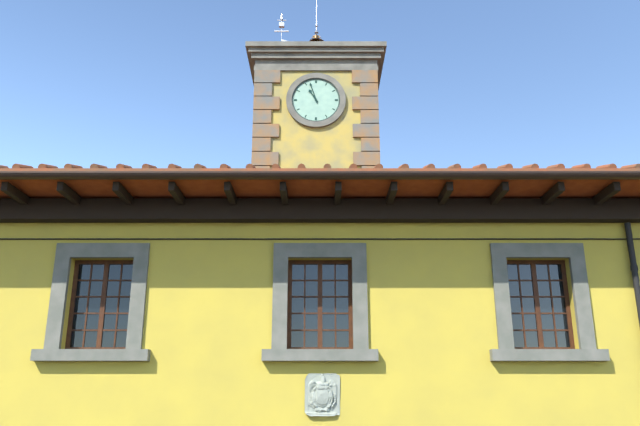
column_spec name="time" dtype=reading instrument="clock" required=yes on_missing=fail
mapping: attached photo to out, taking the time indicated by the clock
10:57
